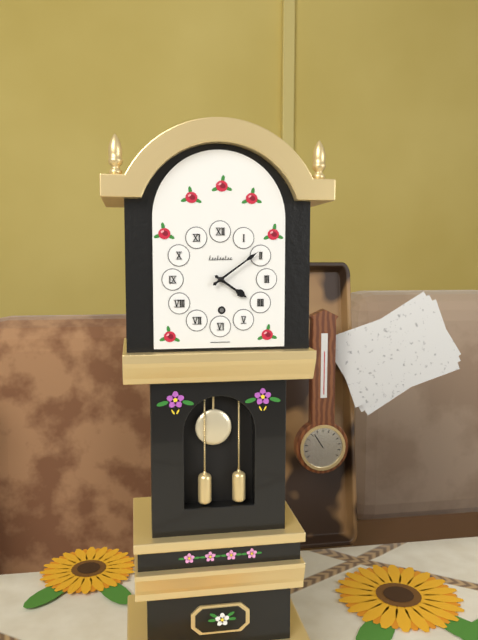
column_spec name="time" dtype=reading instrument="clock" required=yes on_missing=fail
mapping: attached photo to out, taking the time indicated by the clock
4:09
